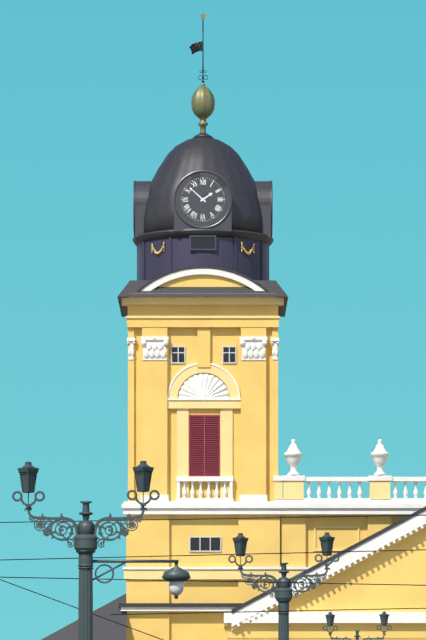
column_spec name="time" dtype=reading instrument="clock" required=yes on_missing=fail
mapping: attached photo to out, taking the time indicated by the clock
1:52
